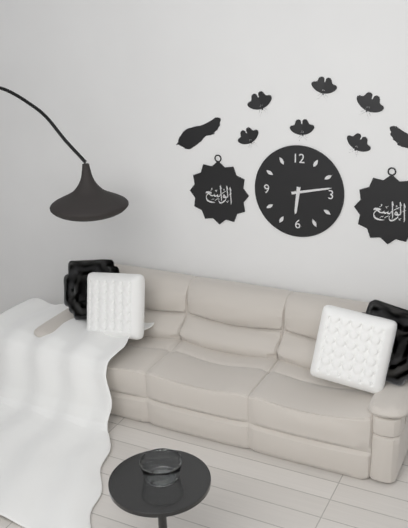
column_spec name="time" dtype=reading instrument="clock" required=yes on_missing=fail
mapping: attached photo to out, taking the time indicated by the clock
6:13
